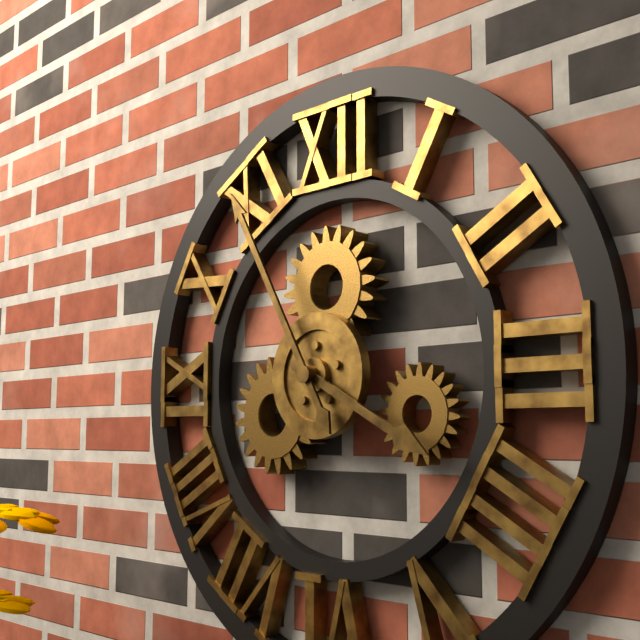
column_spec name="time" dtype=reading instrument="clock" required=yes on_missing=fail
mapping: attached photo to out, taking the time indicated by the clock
3:55
